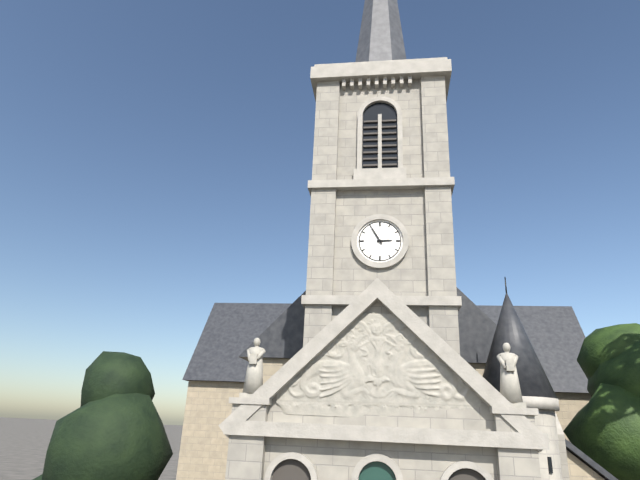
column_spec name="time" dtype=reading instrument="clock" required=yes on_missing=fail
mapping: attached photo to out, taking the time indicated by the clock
2:55
